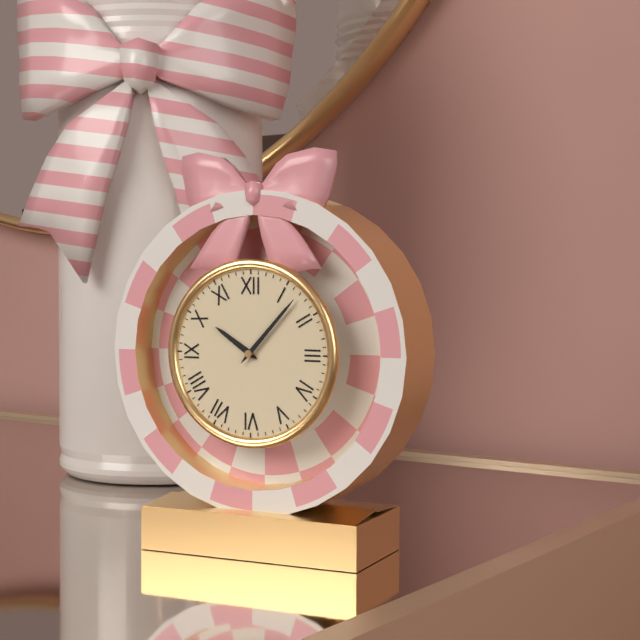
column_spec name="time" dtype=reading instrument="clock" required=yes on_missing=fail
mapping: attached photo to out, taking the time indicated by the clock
10:07
